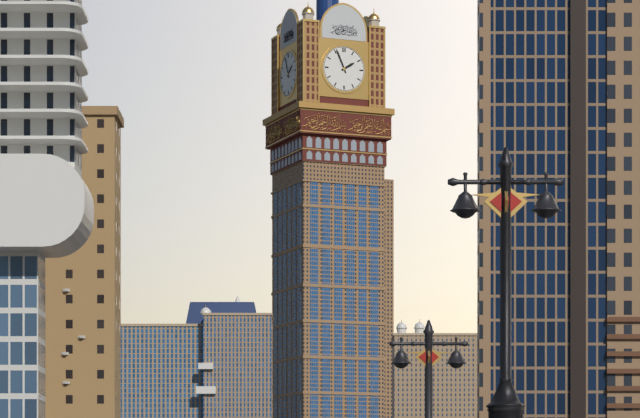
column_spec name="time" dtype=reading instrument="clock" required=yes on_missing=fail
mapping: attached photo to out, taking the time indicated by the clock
1:56
